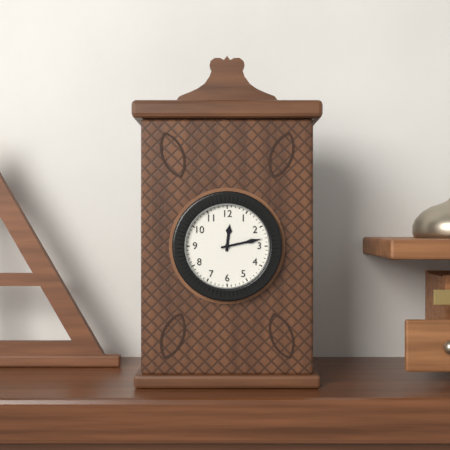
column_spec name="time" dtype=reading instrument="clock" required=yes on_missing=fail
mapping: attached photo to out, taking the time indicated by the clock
12:13
